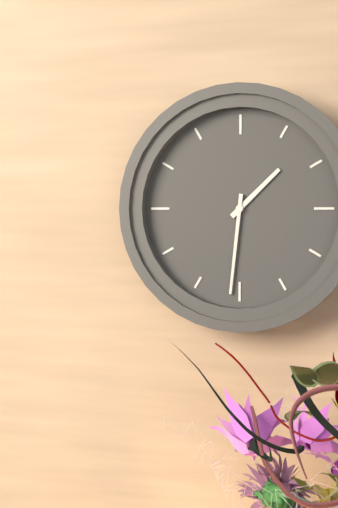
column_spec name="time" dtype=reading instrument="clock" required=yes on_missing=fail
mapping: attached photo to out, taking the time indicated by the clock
1:31
